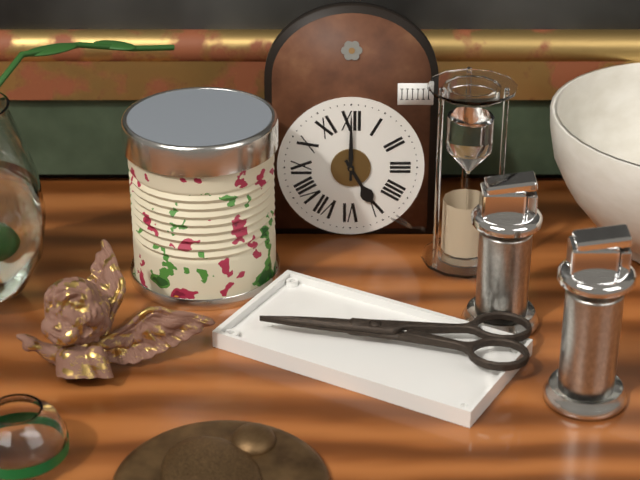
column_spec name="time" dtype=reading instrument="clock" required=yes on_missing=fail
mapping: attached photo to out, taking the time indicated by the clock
5:00
